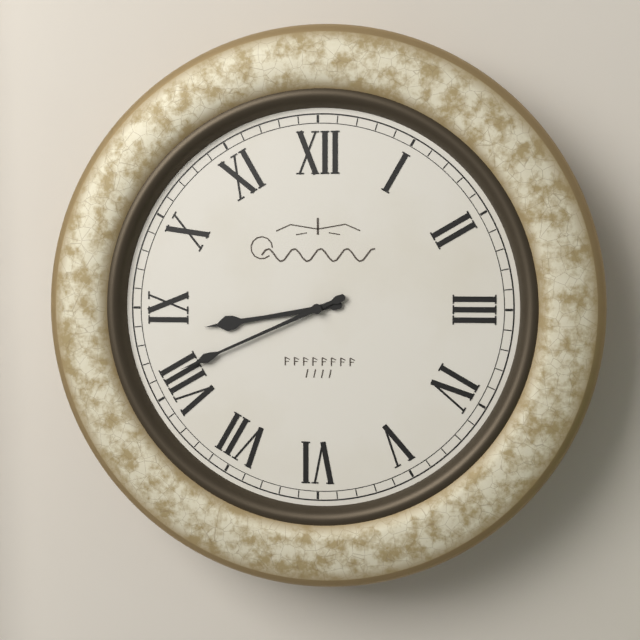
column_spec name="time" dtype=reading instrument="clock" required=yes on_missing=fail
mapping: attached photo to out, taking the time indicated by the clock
8:41
